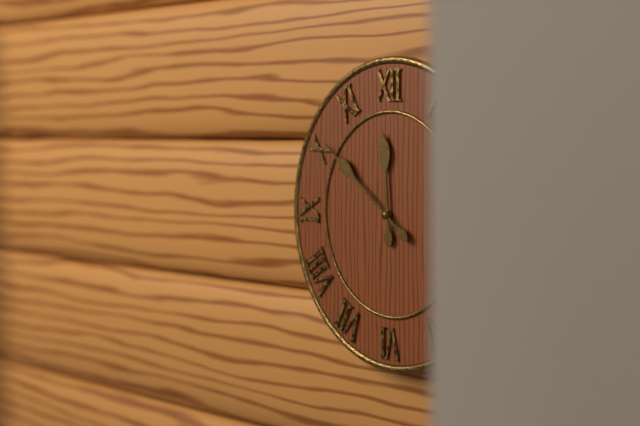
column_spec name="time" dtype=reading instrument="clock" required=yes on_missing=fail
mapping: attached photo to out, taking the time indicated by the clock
11:51
